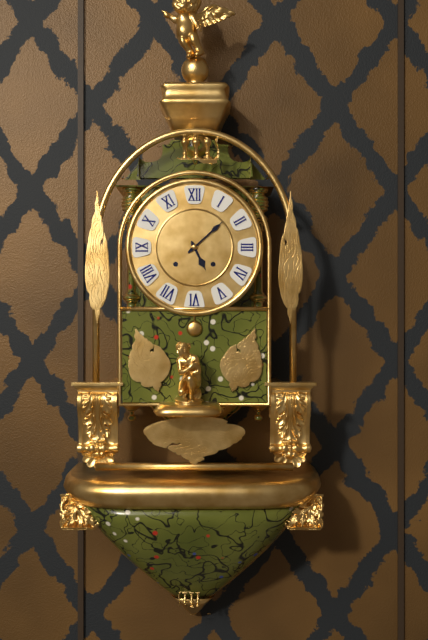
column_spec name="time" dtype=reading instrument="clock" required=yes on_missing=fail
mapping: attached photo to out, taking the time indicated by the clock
5:08
